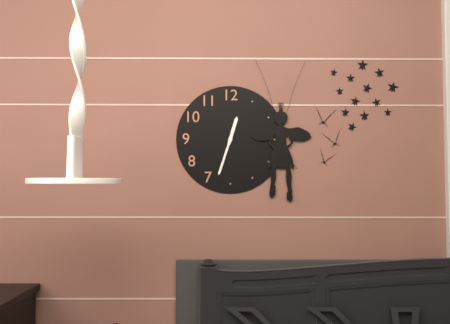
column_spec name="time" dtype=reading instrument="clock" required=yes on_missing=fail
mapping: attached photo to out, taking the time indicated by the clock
12:33
